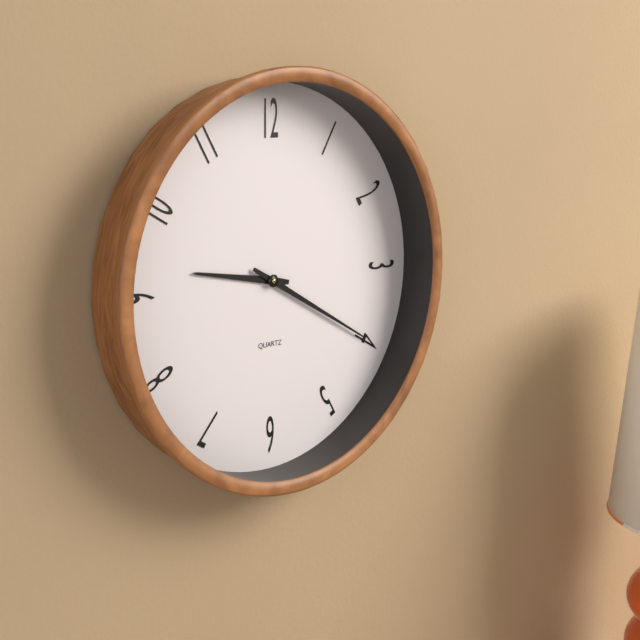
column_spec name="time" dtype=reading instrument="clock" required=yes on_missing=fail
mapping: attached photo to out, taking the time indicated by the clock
9:20
